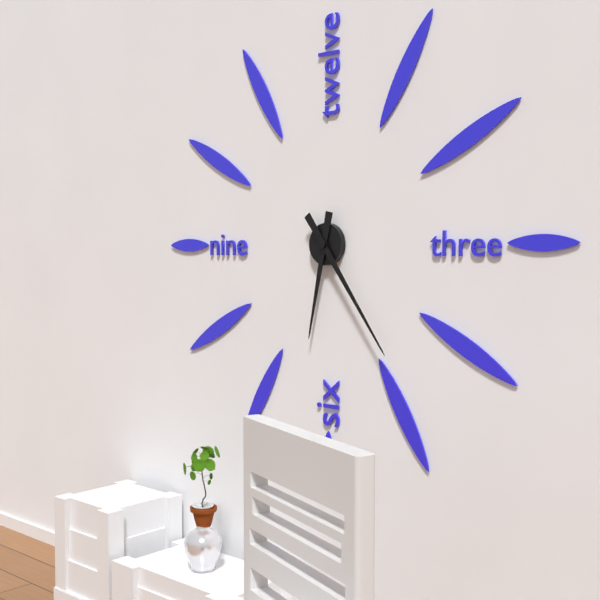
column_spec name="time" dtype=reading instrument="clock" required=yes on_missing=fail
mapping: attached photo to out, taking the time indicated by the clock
6:24
